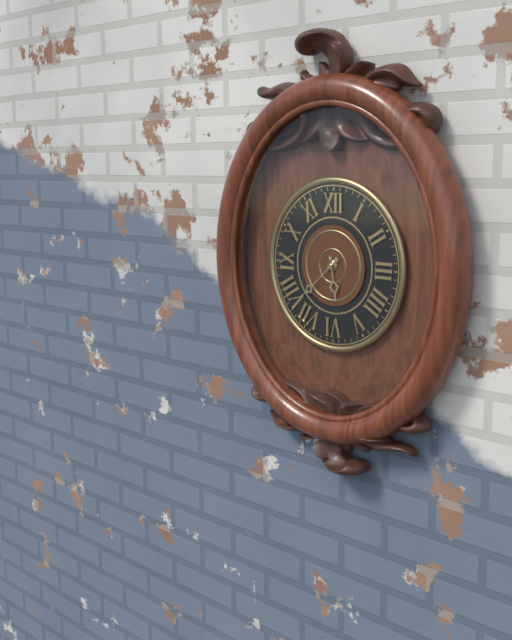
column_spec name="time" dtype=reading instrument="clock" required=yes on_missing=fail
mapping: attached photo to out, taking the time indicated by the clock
5:38
